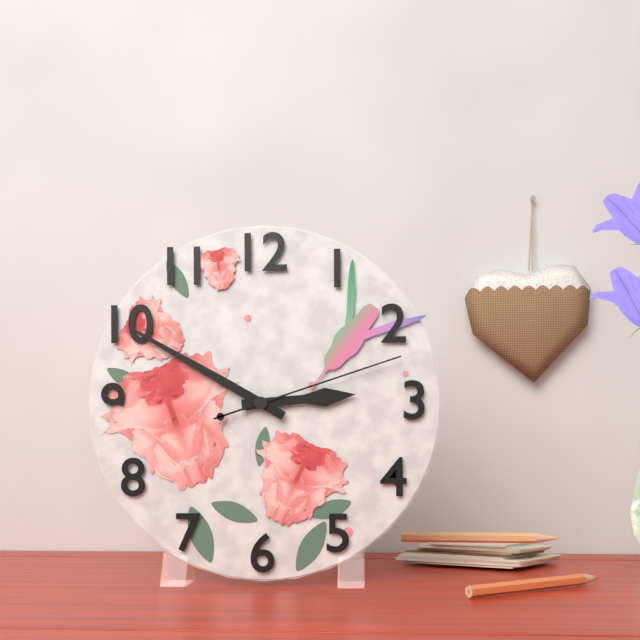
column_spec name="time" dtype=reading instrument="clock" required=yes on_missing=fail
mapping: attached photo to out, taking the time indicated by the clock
2:50:12
